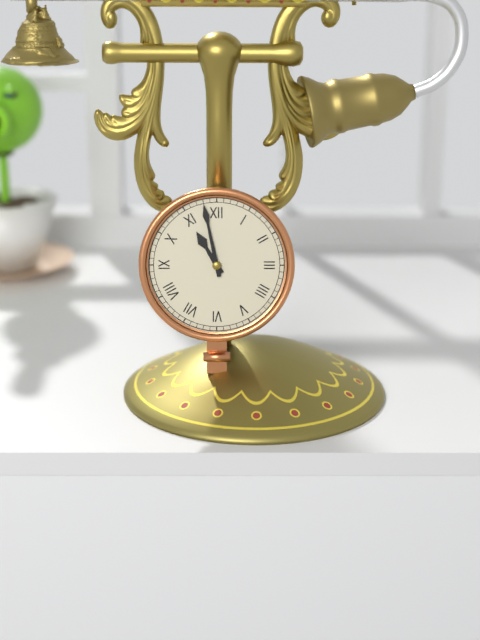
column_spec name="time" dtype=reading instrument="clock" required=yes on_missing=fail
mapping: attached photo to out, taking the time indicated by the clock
10:58
